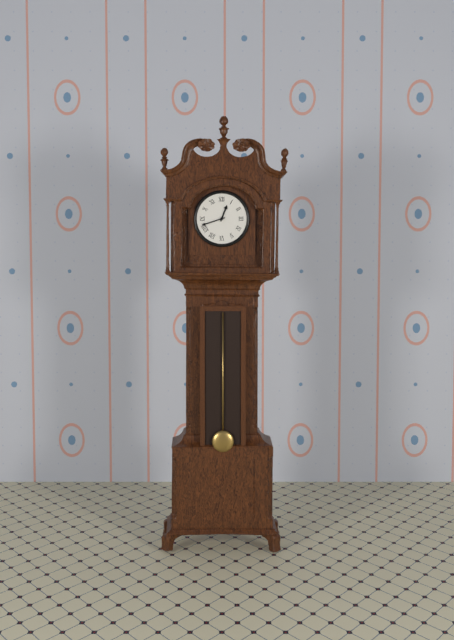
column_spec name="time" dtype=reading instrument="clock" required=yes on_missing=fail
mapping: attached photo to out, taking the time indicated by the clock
12:42
